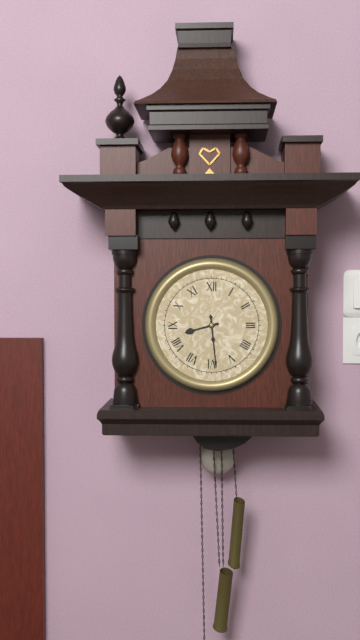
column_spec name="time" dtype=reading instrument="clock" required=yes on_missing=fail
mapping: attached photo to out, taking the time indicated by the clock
8:29
